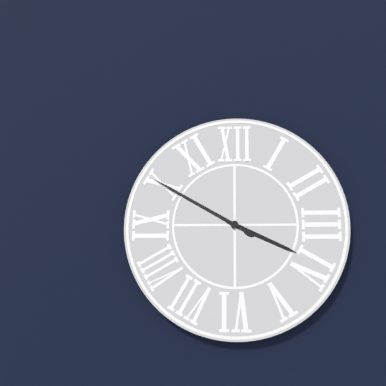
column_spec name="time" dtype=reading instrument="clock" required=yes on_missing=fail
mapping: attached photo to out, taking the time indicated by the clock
3:50
